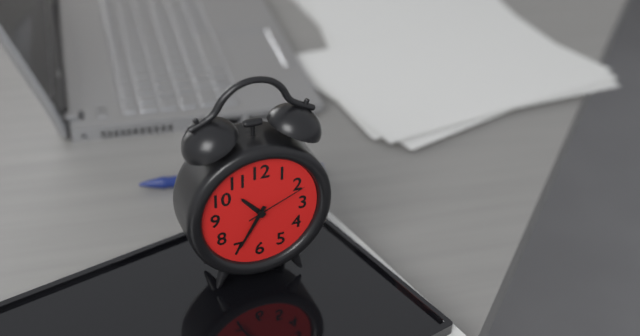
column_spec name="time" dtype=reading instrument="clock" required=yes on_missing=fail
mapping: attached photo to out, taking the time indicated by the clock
10:35:11
